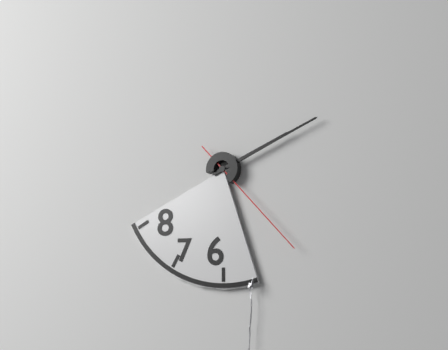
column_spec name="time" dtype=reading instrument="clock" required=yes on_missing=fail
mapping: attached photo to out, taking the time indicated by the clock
2:11:23
